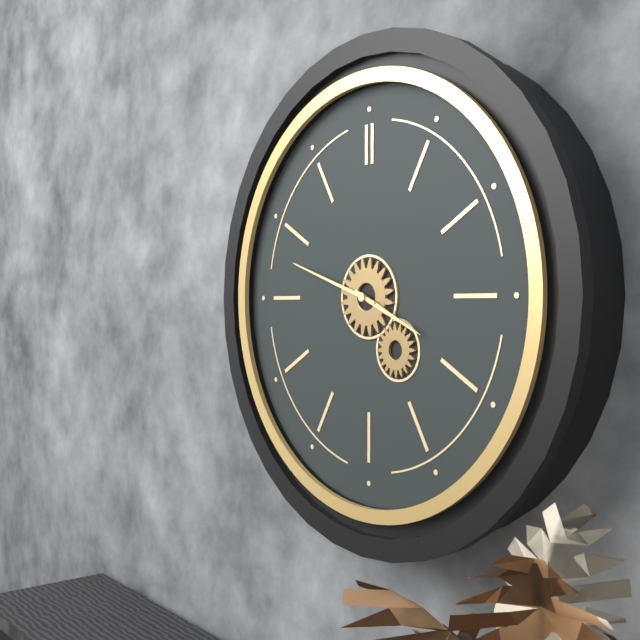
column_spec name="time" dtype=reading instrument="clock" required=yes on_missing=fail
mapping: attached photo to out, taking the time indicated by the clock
3:48
